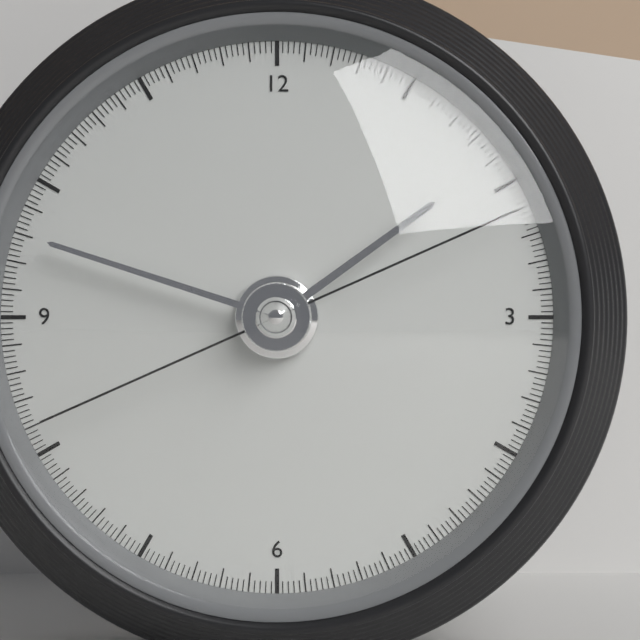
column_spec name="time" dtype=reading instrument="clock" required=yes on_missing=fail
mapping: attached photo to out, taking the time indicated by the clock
1:48:41
